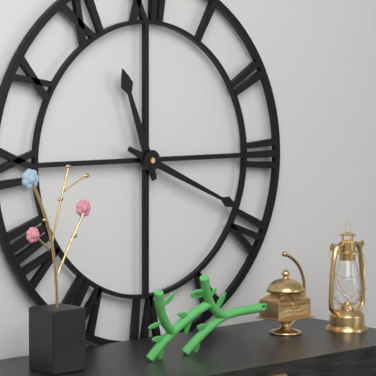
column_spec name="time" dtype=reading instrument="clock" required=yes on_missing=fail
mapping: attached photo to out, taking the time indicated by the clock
11:19
